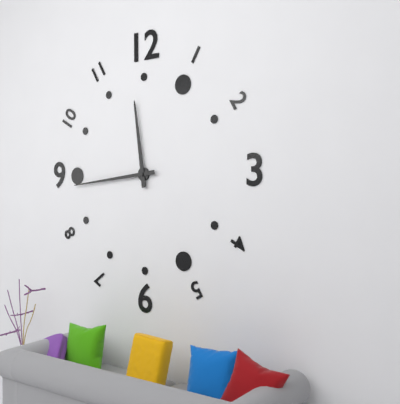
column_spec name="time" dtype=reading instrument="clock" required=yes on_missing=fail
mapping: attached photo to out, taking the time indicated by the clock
11:44
